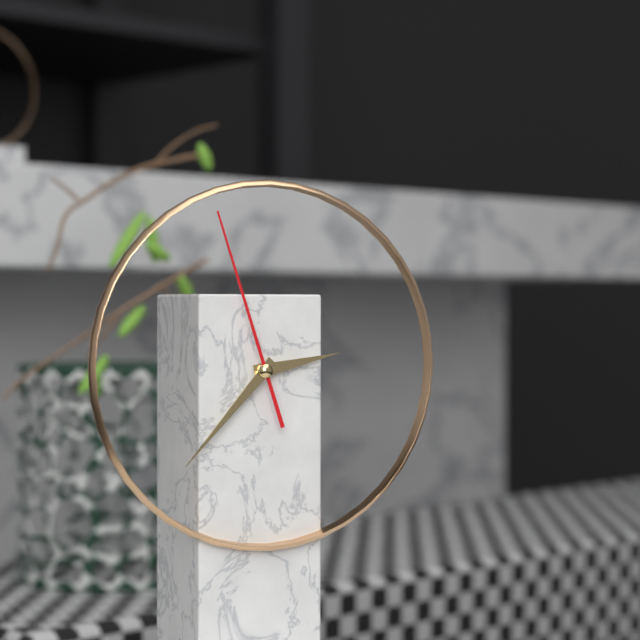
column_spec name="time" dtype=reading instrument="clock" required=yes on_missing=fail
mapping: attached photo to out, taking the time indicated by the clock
2:37:57
